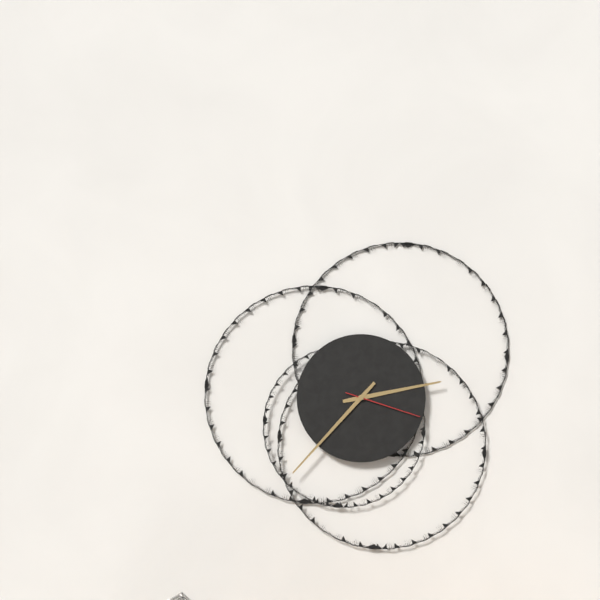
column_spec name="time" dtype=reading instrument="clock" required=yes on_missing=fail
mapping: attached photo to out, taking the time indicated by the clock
2:37:18
